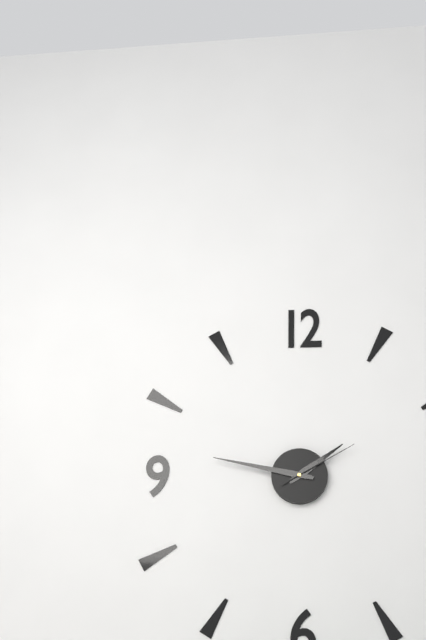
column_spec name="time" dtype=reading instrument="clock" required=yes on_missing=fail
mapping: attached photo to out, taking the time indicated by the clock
1:47:10
